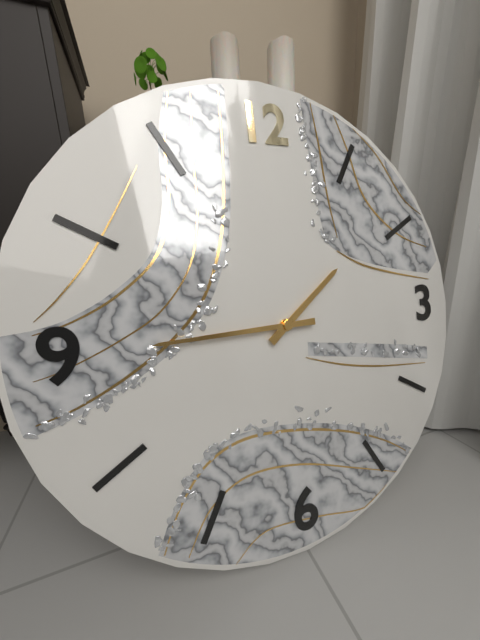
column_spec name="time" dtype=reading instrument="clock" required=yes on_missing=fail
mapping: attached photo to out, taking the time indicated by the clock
1:45
